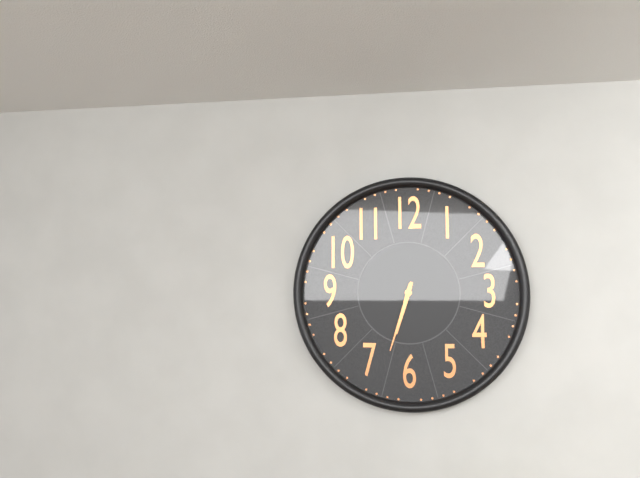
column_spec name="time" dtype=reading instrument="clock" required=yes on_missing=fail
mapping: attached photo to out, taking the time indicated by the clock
6:33
